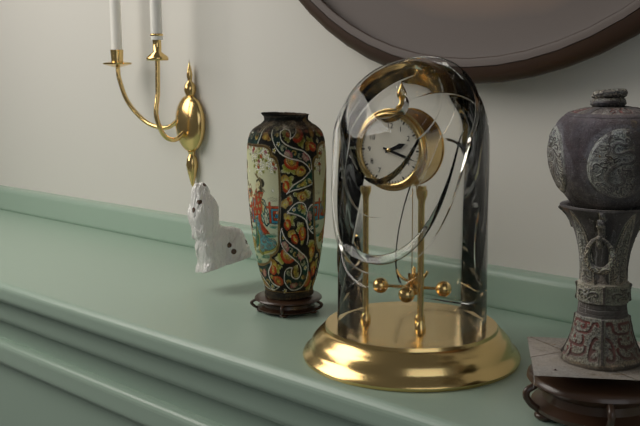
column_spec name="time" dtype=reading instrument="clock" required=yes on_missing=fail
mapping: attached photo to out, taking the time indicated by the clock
2:18
